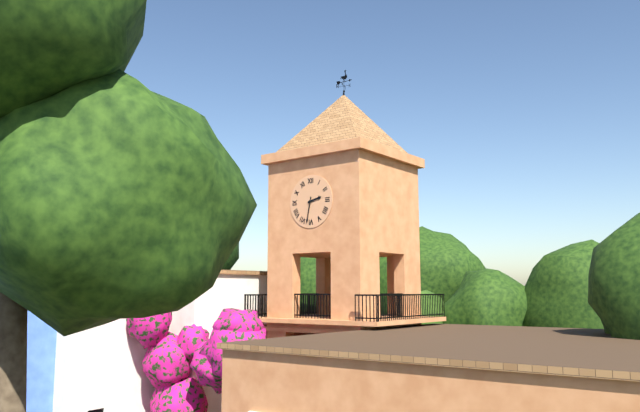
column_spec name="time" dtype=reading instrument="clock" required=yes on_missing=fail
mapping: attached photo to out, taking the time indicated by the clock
2:32
